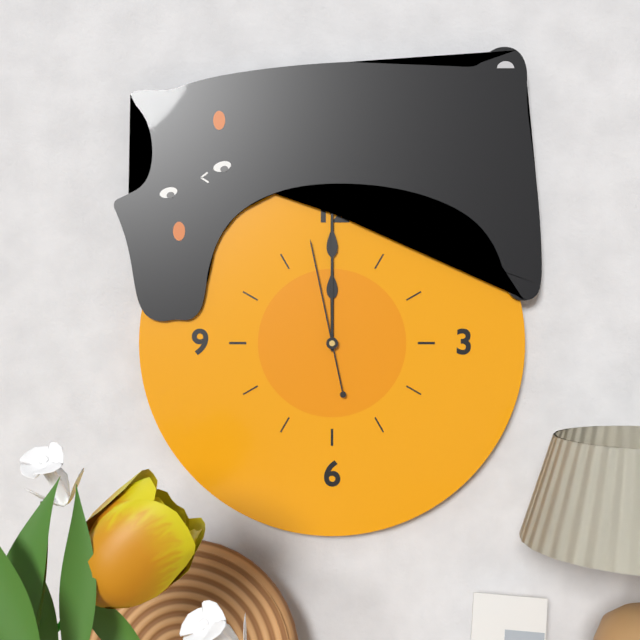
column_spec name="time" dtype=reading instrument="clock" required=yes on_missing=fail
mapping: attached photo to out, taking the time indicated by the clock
12:00:58
